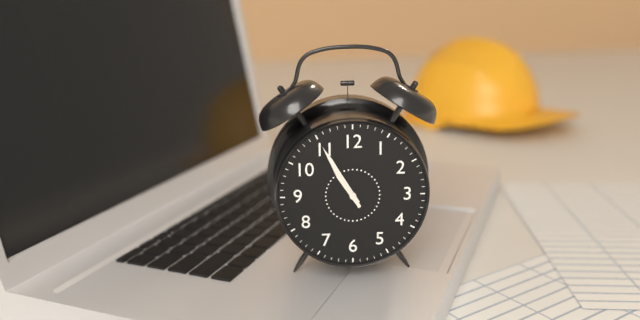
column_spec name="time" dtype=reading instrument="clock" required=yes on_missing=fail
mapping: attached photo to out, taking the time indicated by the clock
10:55
